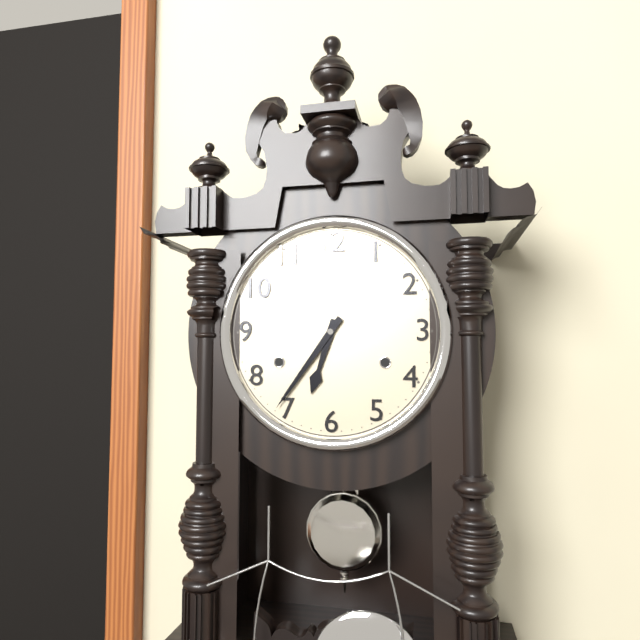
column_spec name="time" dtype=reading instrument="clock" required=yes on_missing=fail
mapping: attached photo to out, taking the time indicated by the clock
6:36
